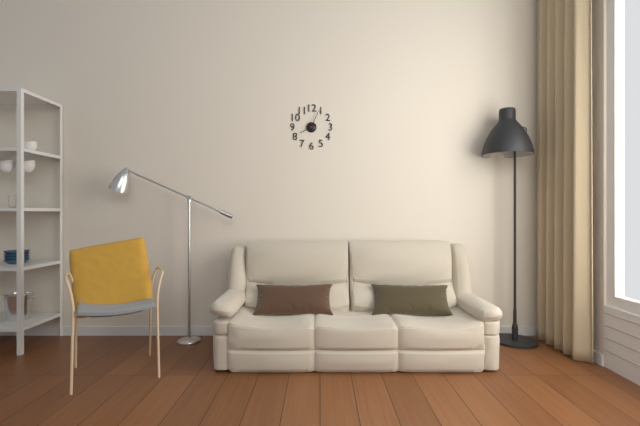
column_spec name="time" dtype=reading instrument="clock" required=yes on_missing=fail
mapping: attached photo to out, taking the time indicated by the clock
8:04
